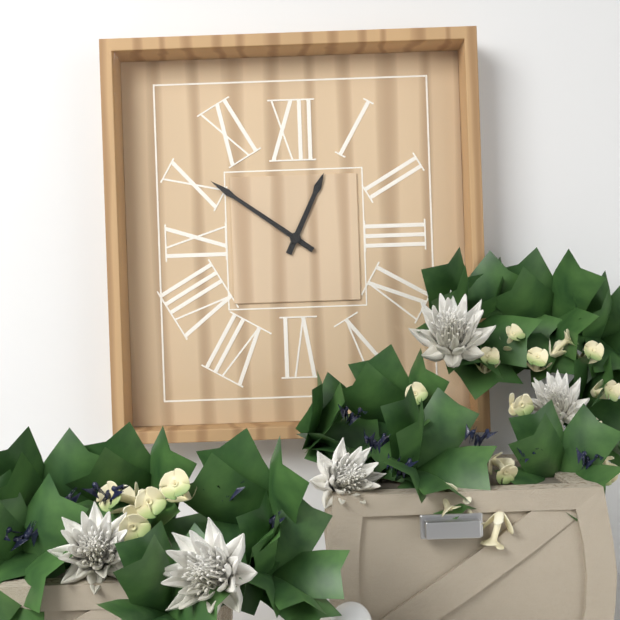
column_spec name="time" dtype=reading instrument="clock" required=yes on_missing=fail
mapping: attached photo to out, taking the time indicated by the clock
12:51
